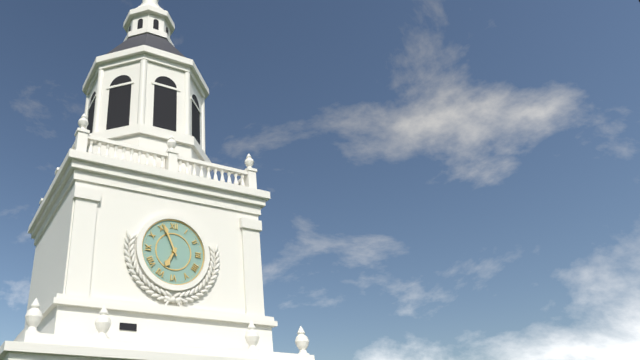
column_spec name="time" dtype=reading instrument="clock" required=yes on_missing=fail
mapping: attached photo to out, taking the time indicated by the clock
6:56
